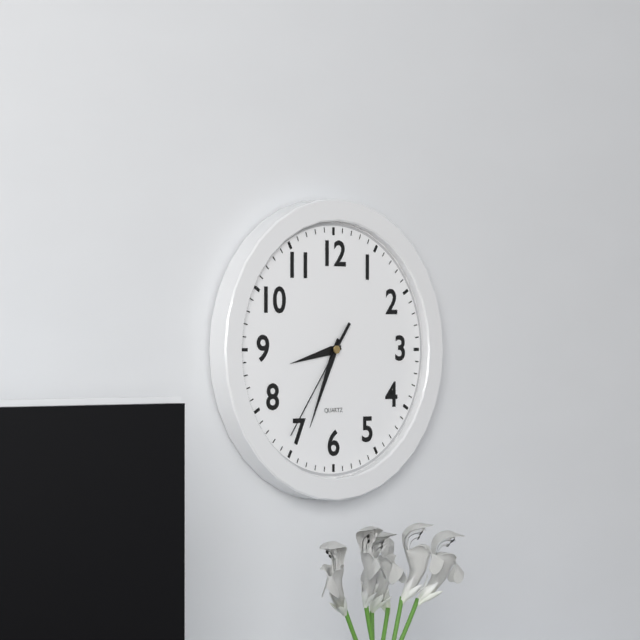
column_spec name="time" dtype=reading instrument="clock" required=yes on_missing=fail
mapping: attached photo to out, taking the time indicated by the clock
8:34:36
